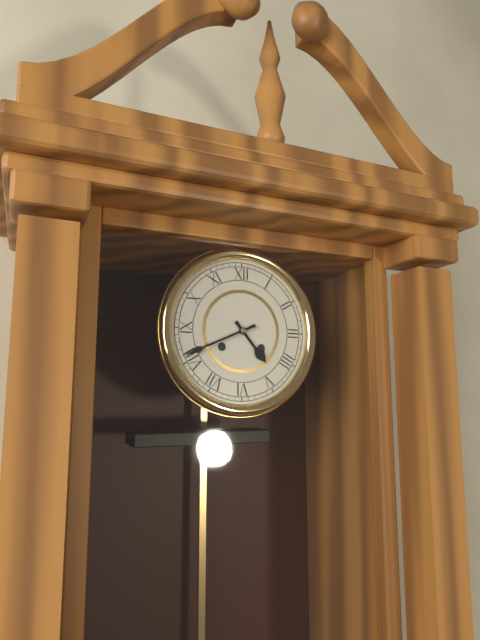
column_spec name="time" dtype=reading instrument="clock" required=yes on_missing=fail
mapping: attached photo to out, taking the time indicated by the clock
4:41
